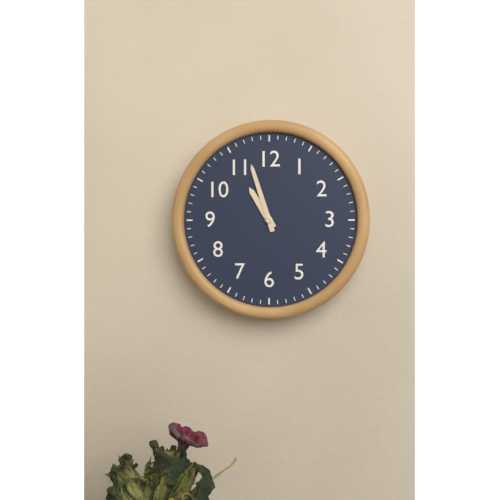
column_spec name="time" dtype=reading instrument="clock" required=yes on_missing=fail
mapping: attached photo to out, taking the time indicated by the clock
10:57
